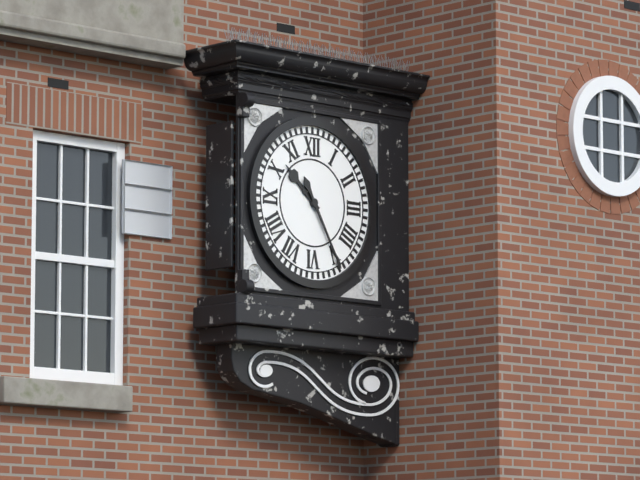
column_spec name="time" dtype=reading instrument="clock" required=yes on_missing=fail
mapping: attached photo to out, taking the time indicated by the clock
10:25
